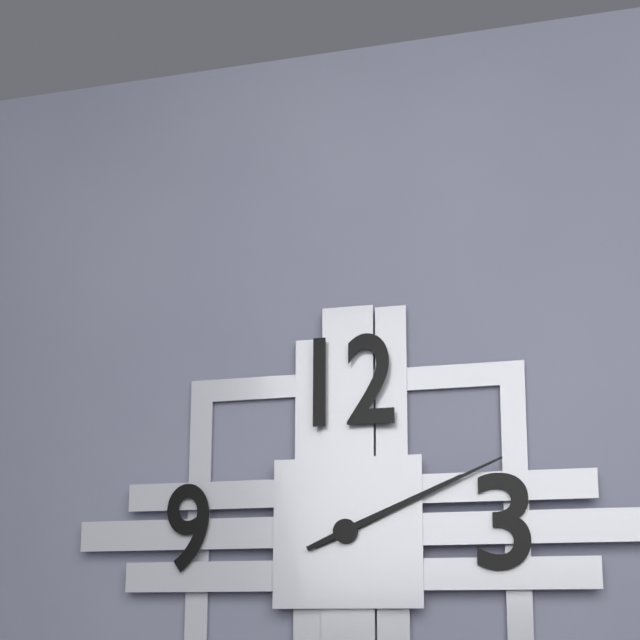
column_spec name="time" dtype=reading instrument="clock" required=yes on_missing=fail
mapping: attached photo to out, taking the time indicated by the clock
2:11
